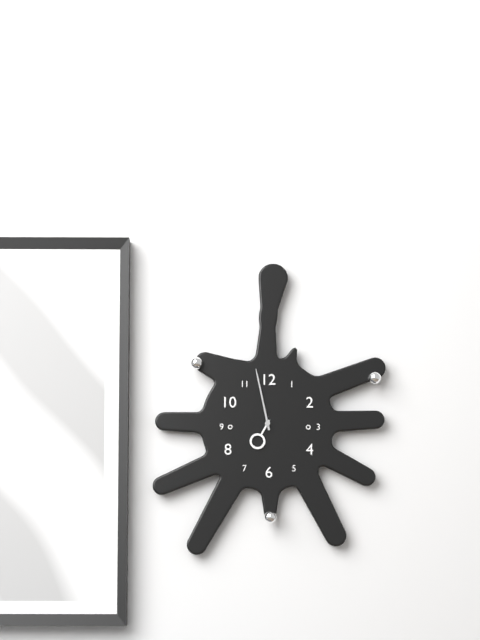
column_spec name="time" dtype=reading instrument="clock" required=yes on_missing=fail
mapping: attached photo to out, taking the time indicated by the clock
6:58
